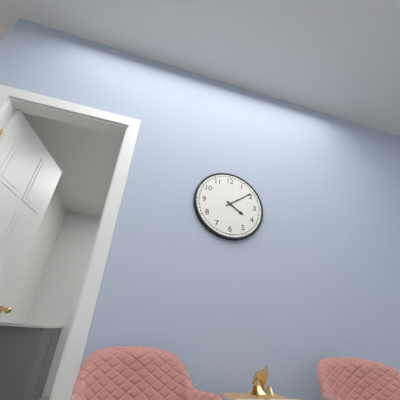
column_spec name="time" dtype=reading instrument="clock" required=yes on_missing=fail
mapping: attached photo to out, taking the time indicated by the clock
4:09
